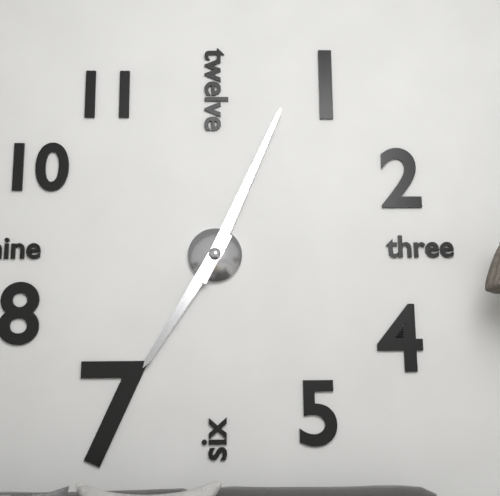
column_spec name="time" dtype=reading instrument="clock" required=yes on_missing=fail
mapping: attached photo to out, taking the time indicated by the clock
7:04
